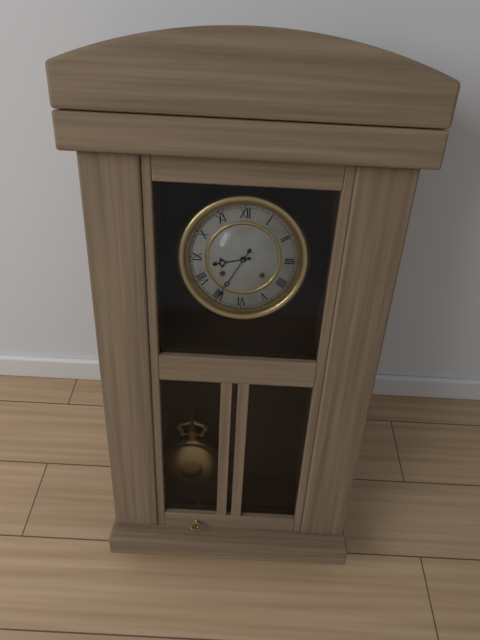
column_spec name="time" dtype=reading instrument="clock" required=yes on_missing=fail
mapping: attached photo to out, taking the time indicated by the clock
8:35
